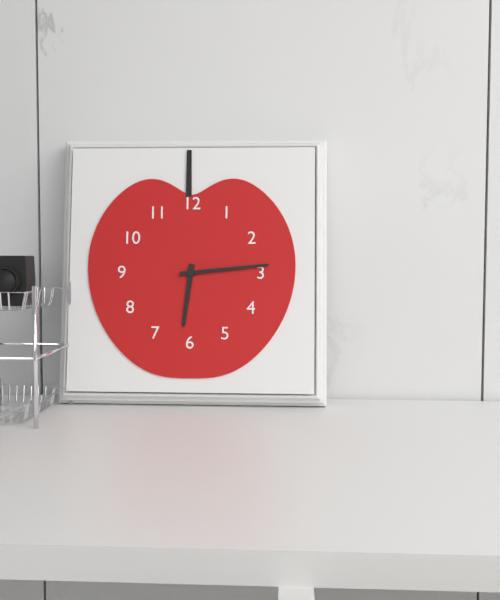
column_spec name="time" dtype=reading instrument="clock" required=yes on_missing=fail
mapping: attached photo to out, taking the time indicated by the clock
6:14
